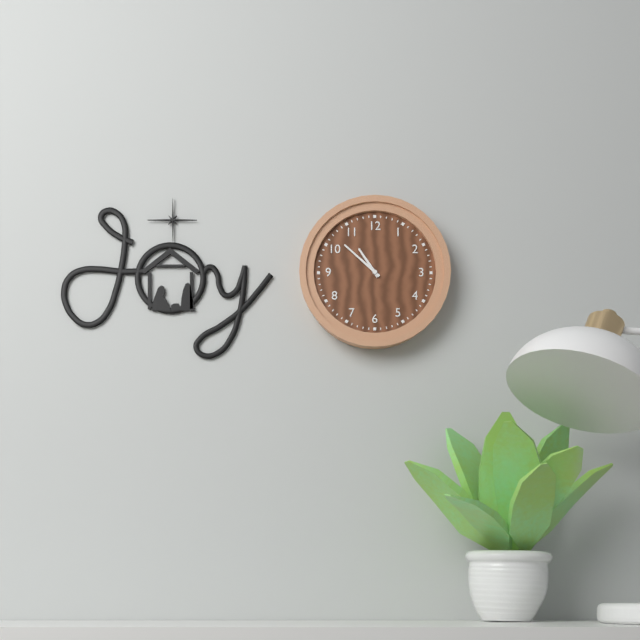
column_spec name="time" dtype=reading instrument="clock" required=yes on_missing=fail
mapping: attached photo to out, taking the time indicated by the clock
10:52
